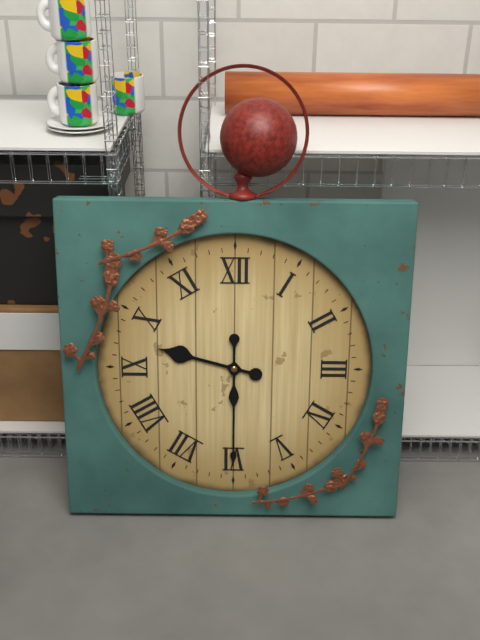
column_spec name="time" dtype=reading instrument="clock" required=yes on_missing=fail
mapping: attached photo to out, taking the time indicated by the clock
9:30
